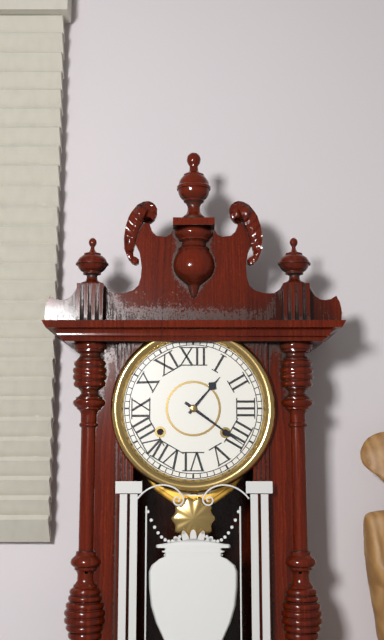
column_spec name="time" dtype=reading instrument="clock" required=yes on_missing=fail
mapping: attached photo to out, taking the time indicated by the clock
1:21
